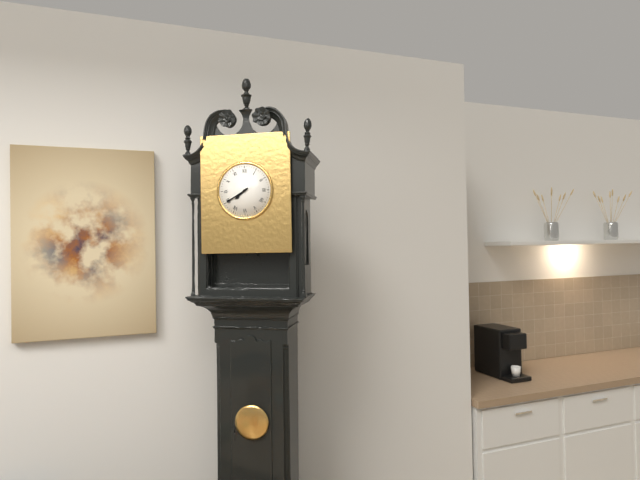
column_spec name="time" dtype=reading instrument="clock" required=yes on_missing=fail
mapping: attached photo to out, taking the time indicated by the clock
7:40
